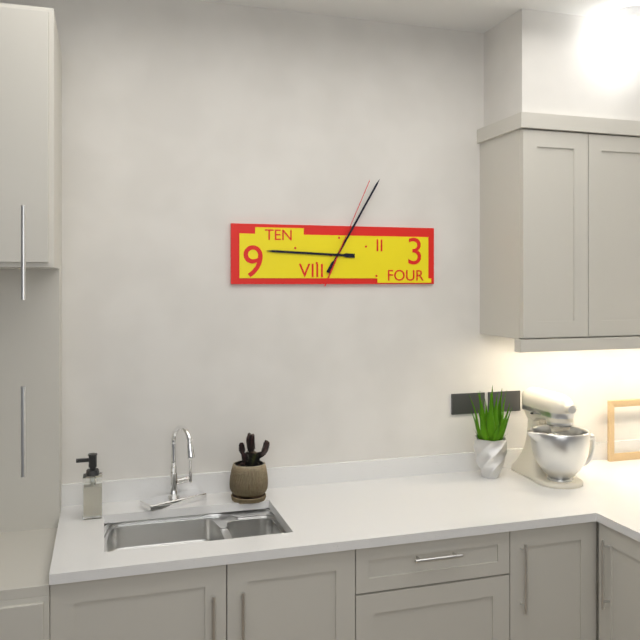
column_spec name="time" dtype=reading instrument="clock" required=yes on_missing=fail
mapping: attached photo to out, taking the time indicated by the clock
9:05:04
